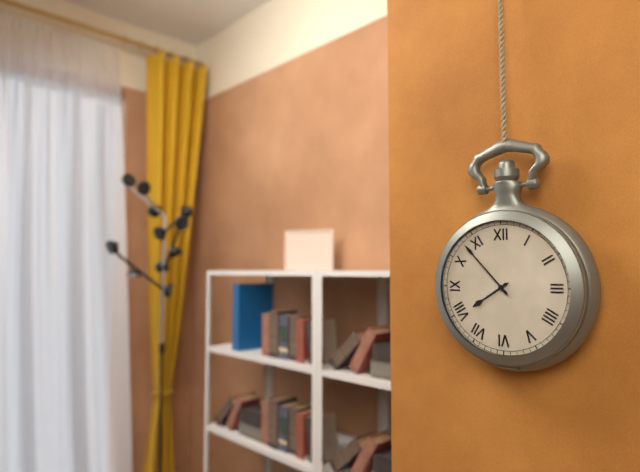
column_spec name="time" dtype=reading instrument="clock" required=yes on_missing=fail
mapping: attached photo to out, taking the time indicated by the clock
7:53
